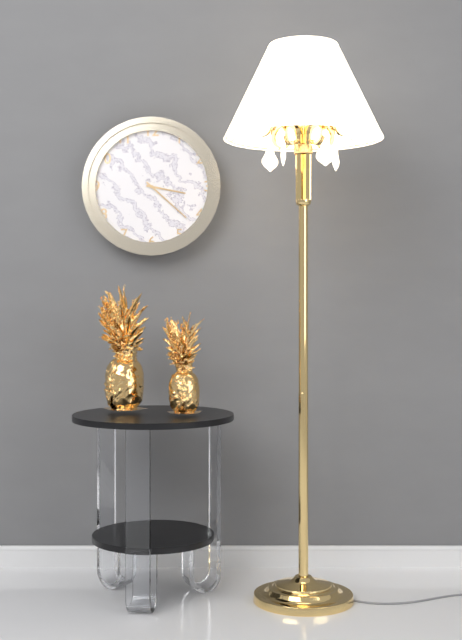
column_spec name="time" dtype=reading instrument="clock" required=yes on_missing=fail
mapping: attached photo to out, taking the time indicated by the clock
3:22
